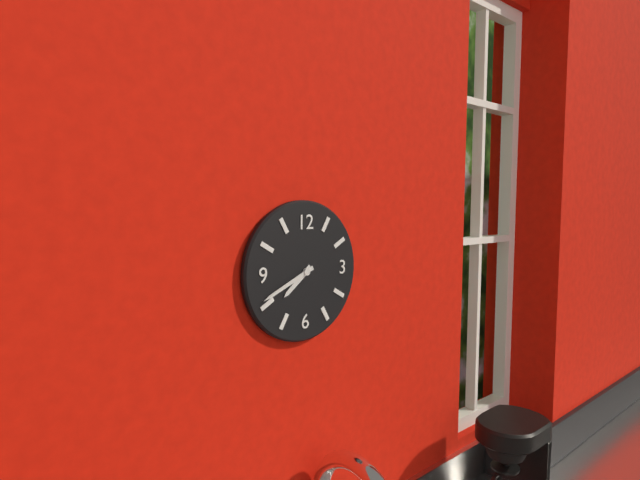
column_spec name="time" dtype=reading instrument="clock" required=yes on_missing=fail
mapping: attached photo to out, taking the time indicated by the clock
7:41
